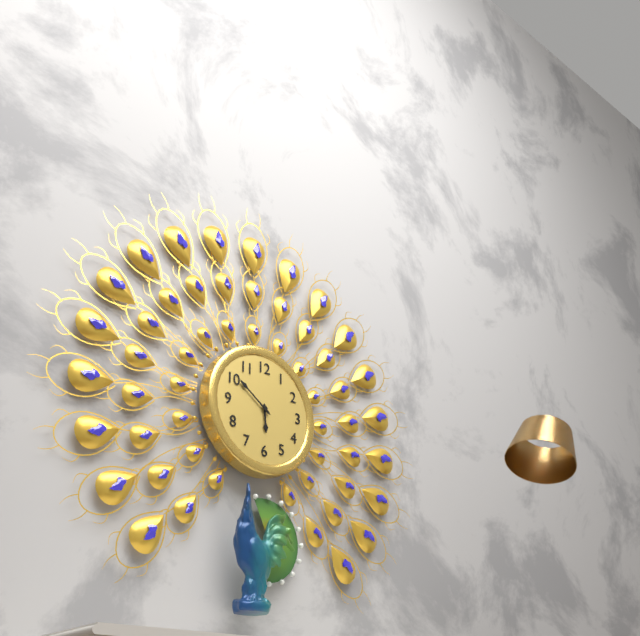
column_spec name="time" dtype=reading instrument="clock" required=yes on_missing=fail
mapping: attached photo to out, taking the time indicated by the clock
5:51
